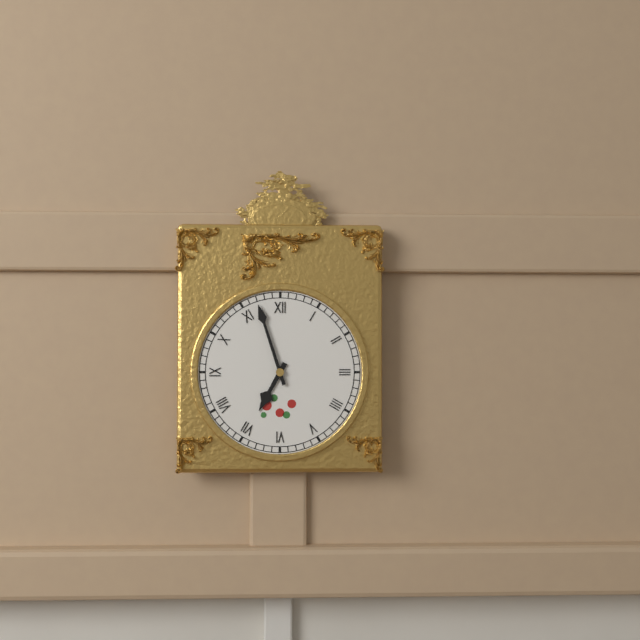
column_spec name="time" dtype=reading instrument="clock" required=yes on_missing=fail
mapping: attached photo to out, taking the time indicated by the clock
6:57
